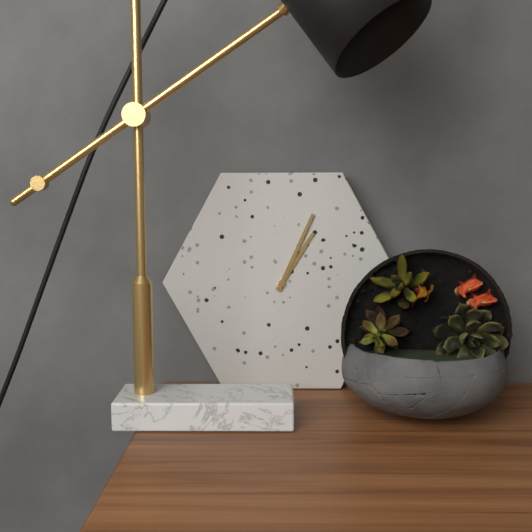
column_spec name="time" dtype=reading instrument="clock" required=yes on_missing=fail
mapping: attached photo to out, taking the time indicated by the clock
1:04
